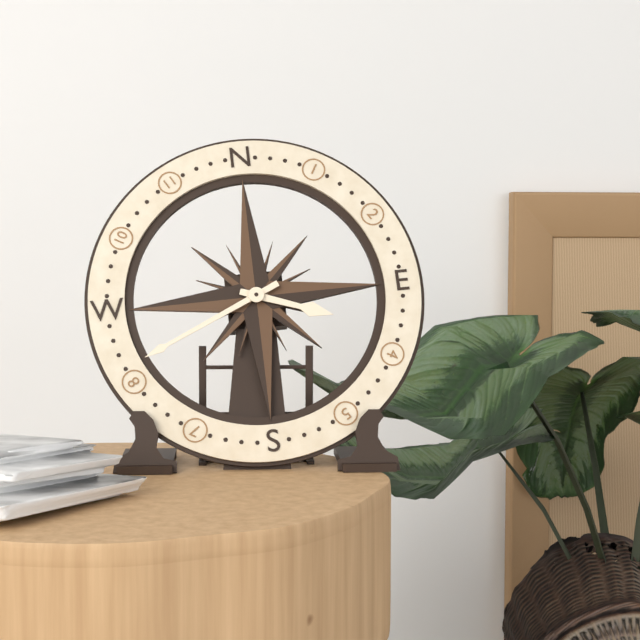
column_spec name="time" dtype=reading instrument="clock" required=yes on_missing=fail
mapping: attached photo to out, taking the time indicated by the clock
3:41
